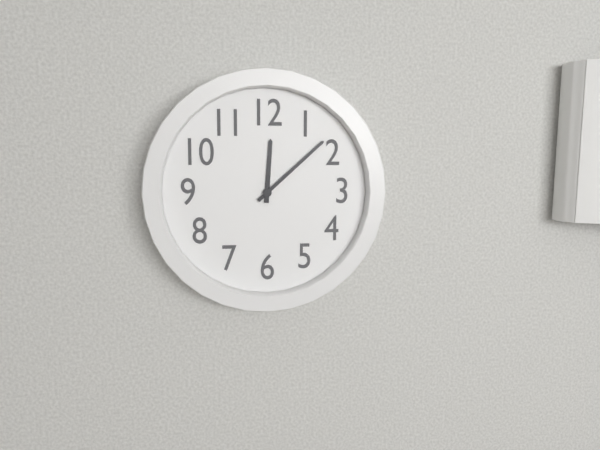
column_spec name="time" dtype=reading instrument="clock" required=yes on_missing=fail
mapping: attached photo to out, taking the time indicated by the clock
12:08
